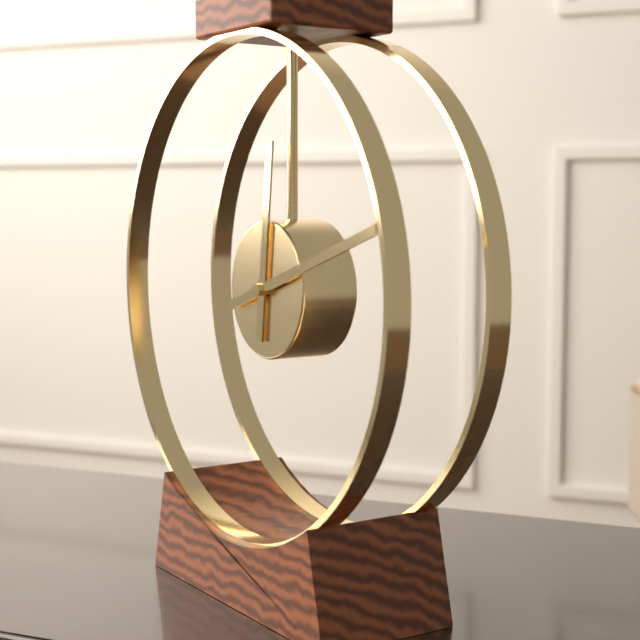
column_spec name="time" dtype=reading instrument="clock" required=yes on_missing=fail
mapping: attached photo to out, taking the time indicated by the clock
12:12
